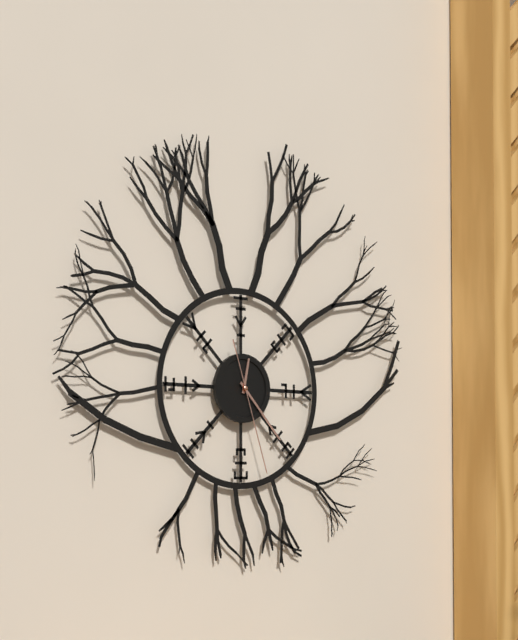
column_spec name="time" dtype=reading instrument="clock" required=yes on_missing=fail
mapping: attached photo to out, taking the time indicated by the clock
12:23:27
